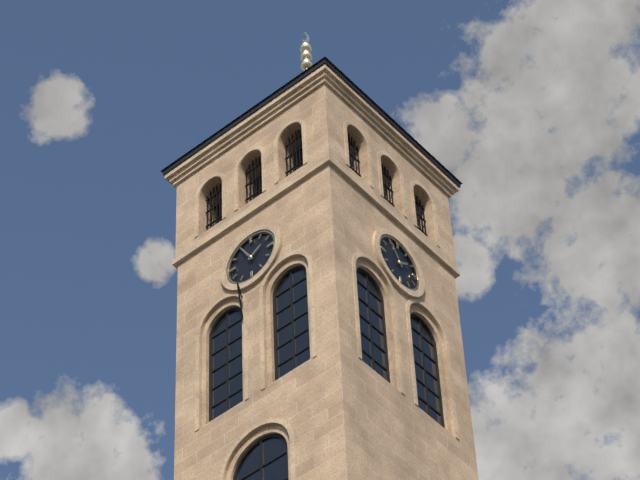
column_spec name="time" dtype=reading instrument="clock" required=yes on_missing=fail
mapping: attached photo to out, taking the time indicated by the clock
1:55
